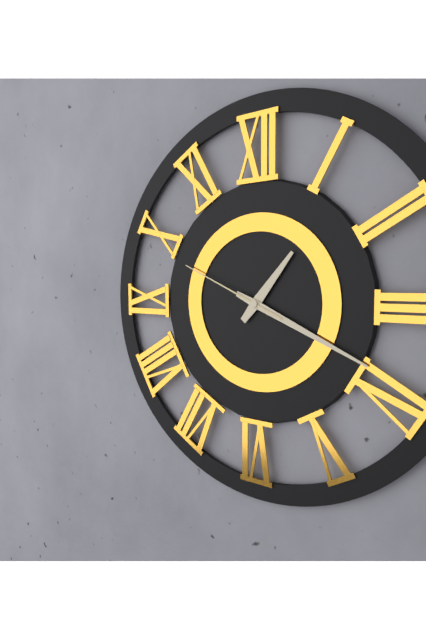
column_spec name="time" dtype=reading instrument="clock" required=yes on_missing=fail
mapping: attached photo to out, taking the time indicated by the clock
1:19:49
